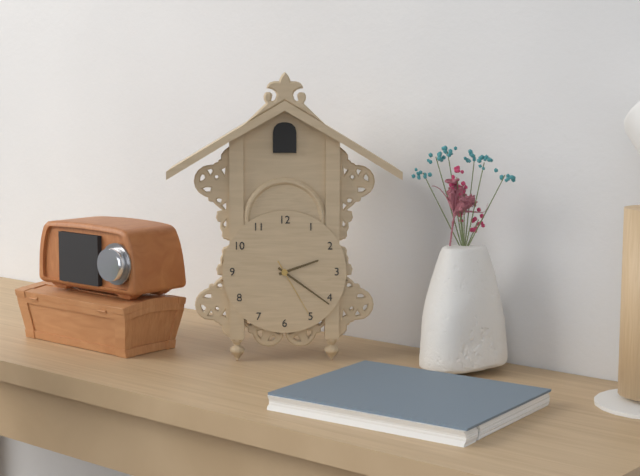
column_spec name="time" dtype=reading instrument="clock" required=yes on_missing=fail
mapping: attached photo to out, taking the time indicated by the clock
2:21:25
